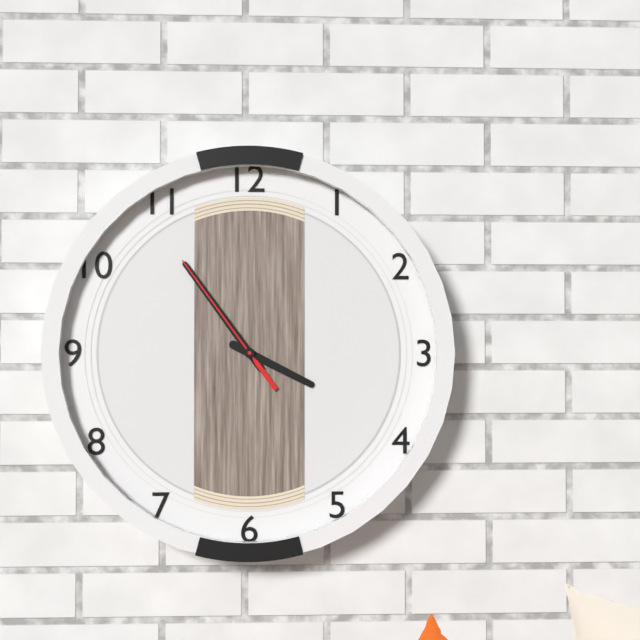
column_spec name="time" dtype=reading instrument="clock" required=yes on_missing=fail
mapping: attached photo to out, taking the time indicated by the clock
3:54:54
